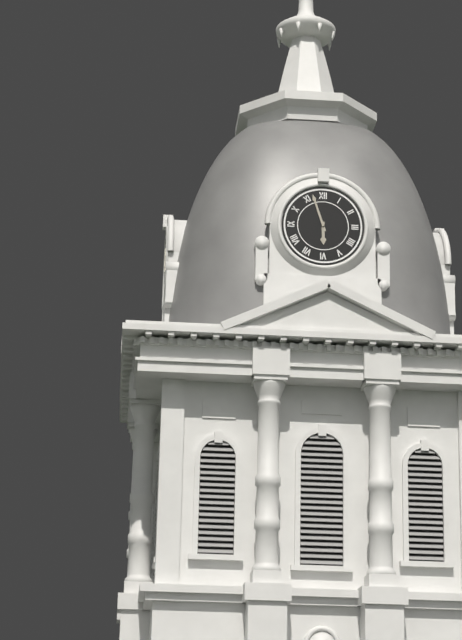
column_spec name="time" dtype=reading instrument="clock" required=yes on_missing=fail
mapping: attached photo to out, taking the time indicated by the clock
5:57
